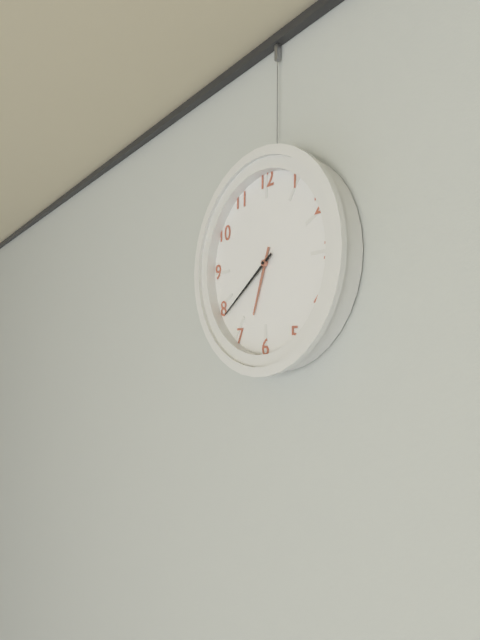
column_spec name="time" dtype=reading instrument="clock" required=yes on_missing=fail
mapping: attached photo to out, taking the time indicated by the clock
6:39
